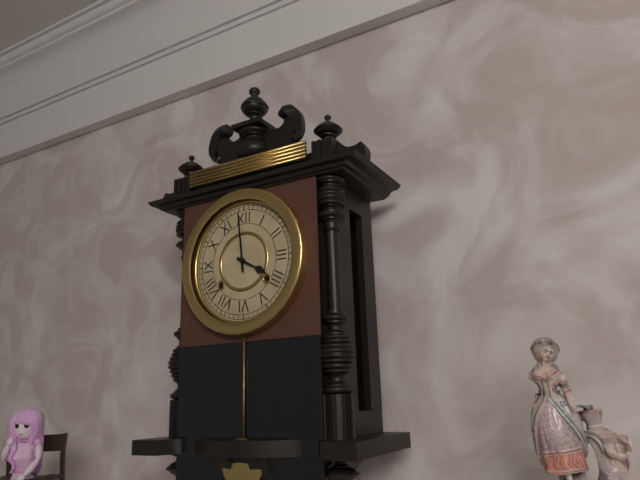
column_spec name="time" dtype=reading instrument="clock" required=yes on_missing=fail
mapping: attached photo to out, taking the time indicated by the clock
3:59
